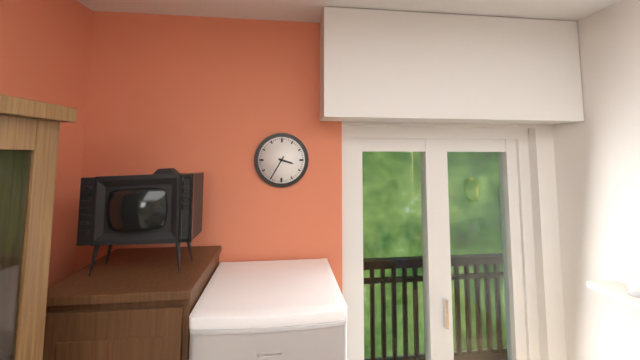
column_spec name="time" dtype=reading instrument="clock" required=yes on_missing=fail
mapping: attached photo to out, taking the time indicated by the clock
3:35
